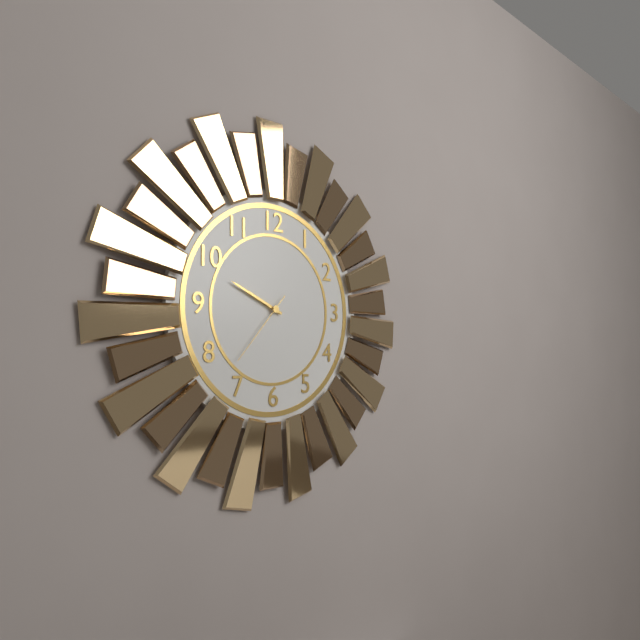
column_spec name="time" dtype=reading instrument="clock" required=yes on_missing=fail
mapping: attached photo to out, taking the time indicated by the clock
9:49:37
